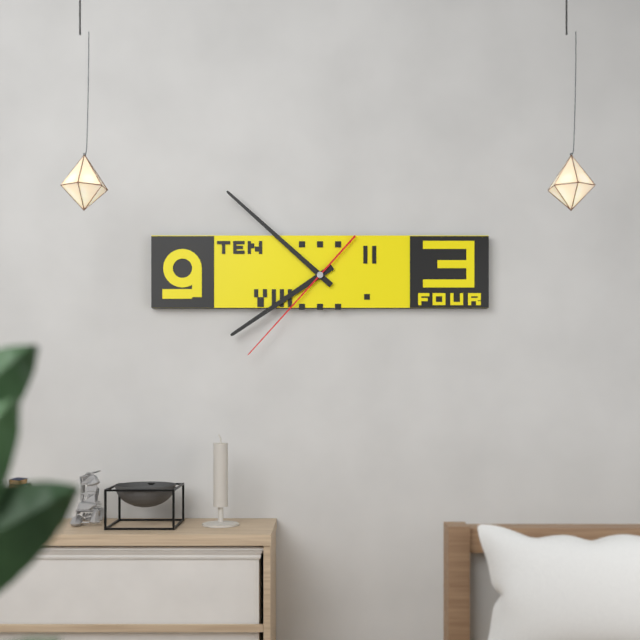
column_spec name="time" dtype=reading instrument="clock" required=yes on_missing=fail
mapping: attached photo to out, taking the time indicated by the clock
7:52:37
